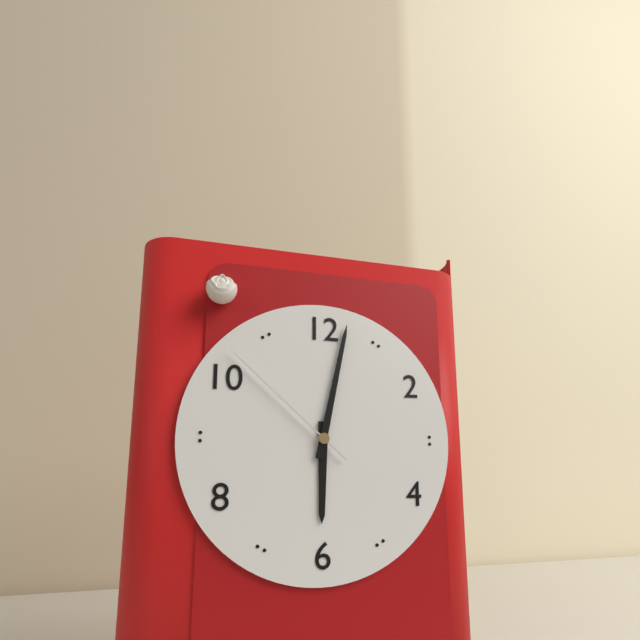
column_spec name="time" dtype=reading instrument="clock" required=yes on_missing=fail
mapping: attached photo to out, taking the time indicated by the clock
6:02:52
